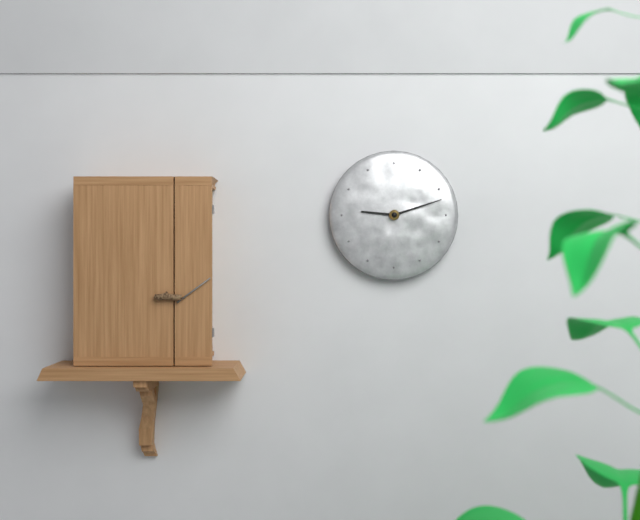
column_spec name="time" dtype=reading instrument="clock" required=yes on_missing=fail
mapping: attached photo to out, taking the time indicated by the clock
9:12
